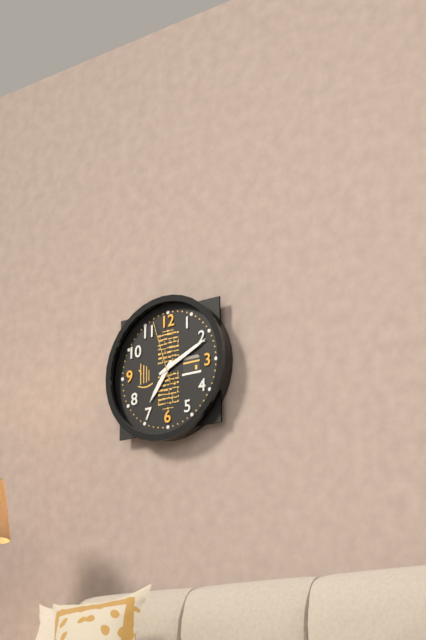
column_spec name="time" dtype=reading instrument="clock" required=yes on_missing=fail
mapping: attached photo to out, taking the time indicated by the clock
7:11:57
